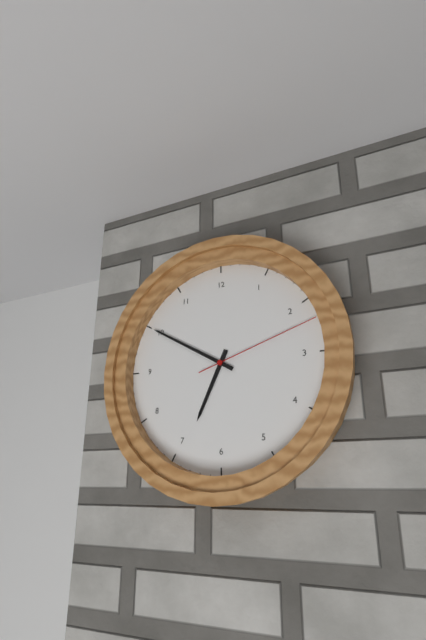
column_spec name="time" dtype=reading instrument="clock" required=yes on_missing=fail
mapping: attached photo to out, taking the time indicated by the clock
6:50:12
